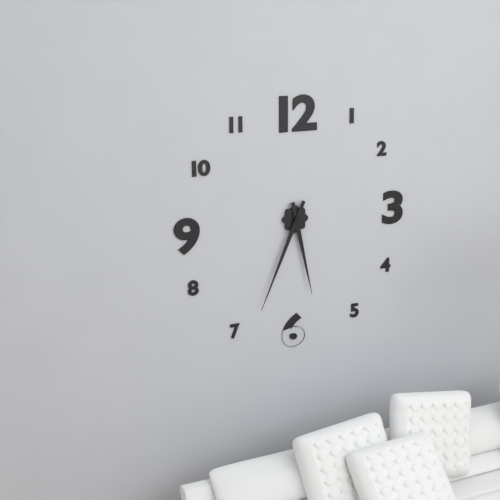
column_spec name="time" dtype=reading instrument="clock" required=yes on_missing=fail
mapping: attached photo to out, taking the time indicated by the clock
5:34
